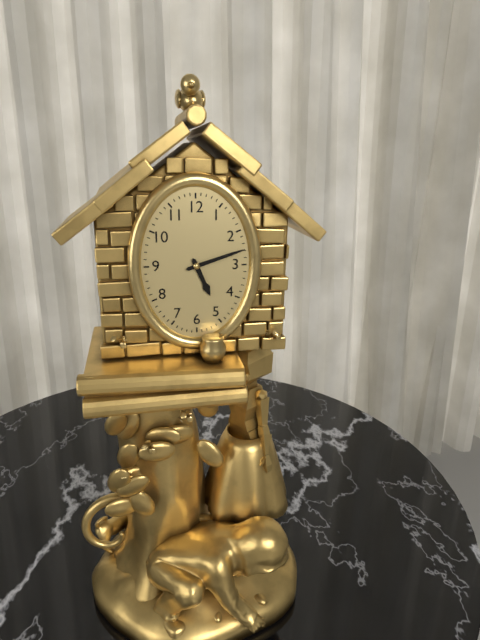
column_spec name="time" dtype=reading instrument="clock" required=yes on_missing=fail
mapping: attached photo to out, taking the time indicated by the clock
5:12
